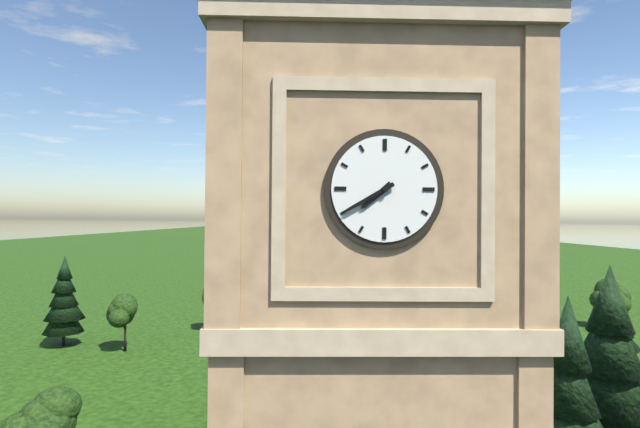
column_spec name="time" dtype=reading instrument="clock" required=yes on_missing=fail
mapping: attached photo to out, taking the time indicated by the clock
7:40
